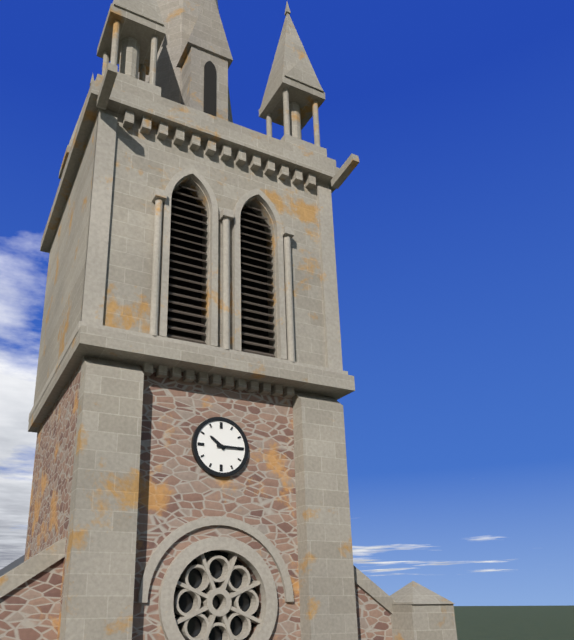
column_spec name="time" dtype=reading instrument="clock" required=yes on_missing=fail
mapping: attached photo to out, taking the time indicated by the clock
10:15
